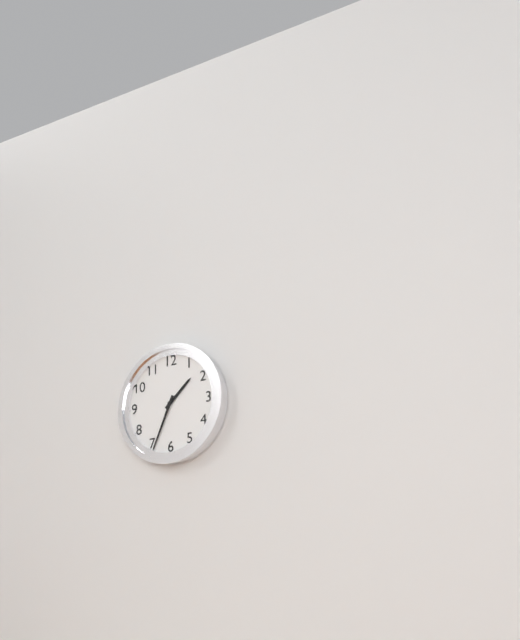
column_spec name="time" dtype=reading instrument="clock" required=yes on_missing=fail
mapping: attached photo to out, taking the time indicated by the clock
1:34
